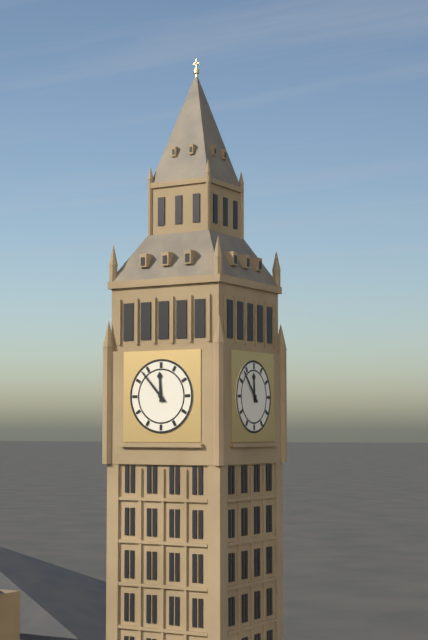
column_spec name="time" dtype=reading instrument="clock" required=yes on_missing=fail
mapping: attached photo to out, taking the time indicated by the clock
11:53
